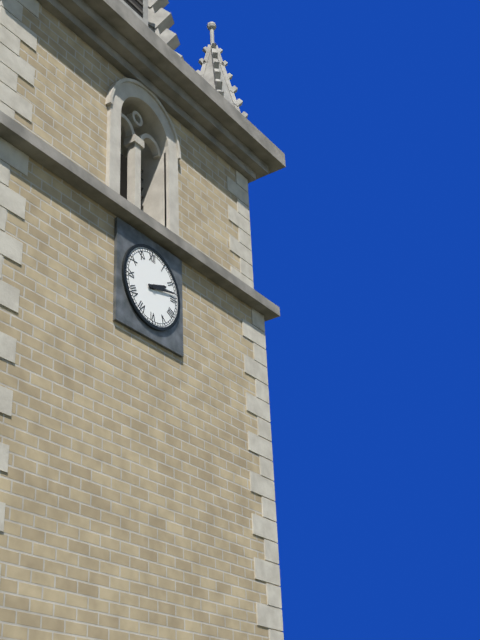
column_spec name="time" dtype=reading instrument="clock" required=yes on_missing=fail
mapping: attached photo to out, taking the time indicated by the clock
2:13
